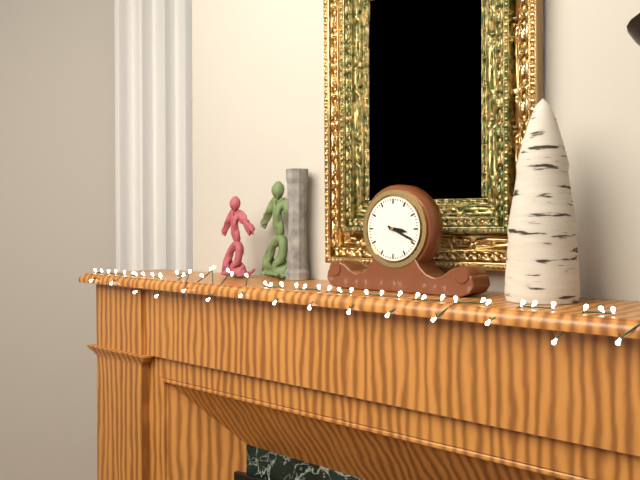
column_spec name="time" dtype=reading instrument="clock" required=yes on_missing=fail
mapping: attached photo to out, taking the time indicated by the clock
3:19
